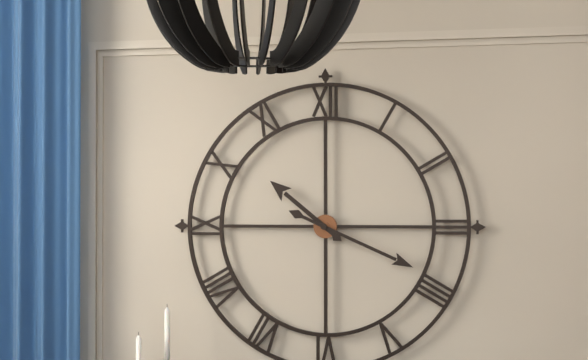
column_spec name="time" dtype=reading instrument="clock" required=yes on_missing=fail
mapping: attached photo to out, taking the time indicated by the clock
10:19
